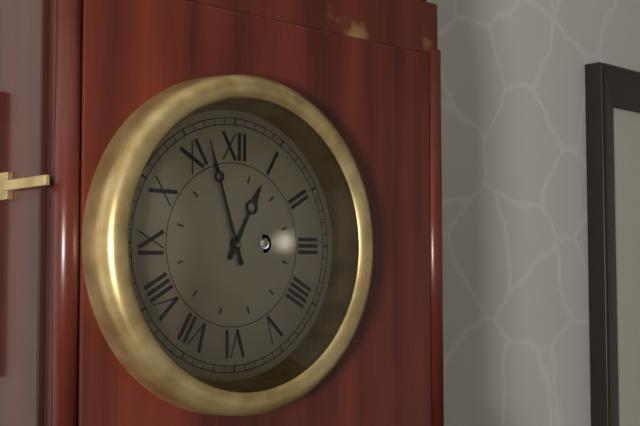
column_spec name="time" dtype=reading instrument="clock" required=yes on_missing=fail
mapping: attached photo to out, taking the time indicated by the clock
12:57
